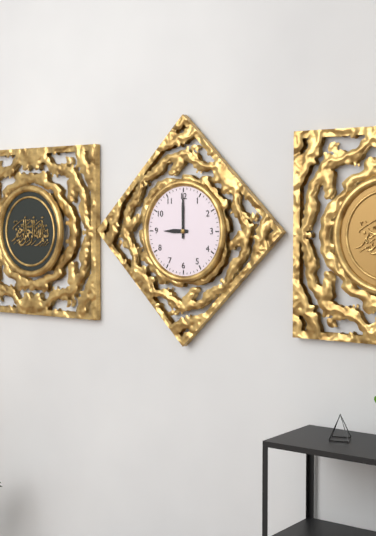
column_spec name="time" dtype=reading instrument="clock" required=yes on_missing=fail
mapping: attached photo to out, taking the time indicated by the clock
9:00
